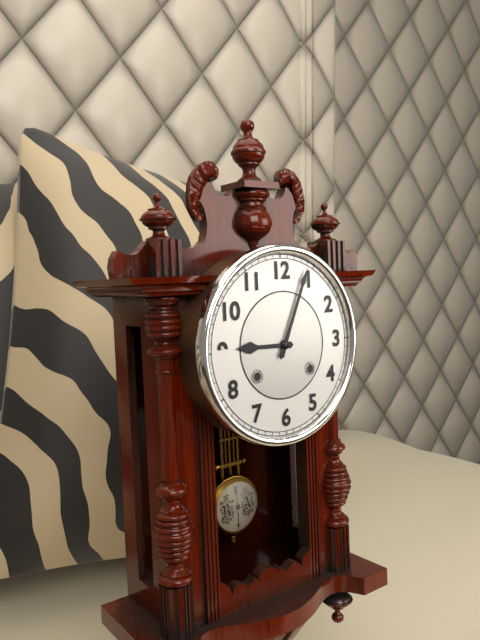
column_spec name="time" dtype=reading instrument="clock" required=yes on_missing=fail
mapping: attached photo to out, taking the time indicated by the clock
9:04
